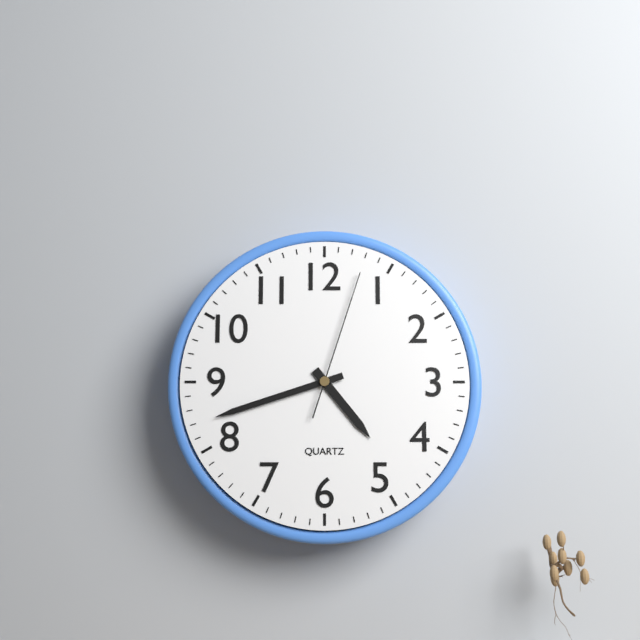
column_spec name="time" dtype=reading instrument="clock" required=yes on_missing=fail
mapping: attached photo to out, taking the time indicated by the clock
4:42:03
